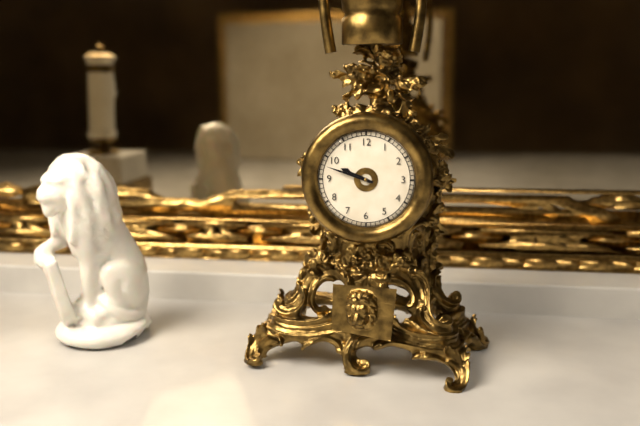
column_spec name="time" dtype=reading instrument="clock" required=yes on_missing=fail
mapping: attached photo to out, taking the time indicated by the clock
9:48
